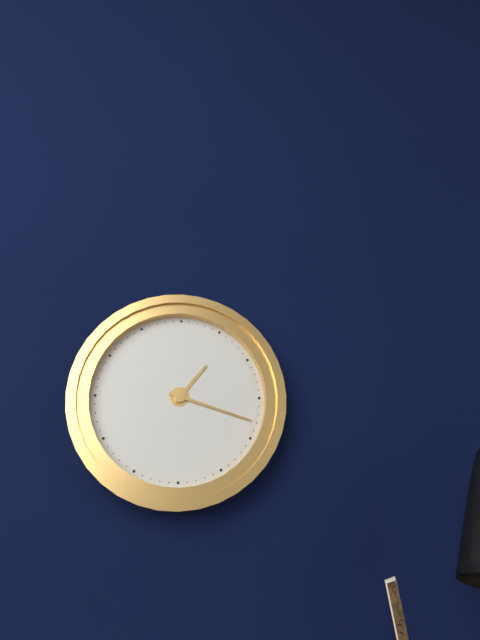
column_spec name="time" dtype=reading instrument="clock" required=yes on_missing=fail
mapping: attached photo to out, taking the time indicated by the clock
1:18
